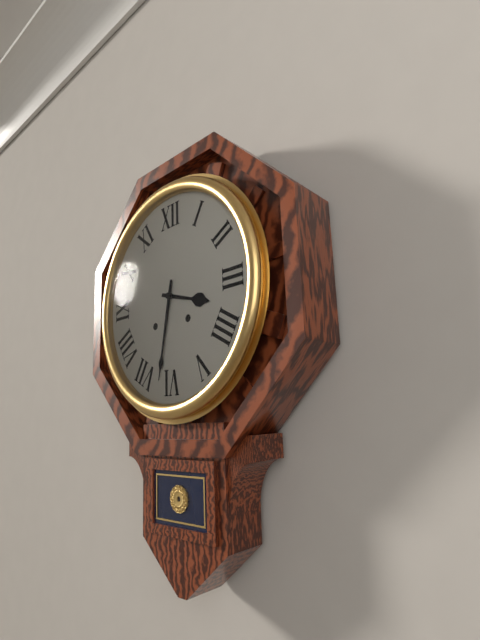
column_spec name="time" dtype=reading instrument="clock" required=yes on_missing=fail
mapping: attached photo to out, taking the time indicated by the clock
3:32
